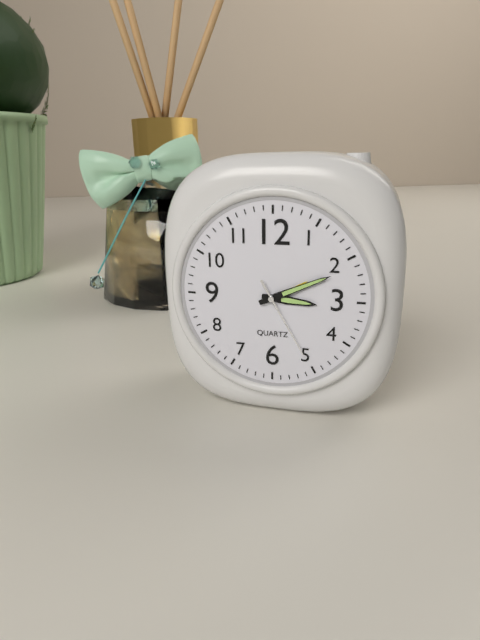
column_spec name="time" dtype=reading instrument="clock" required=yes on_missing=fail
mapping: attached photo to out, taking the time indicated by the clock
3:11:25
